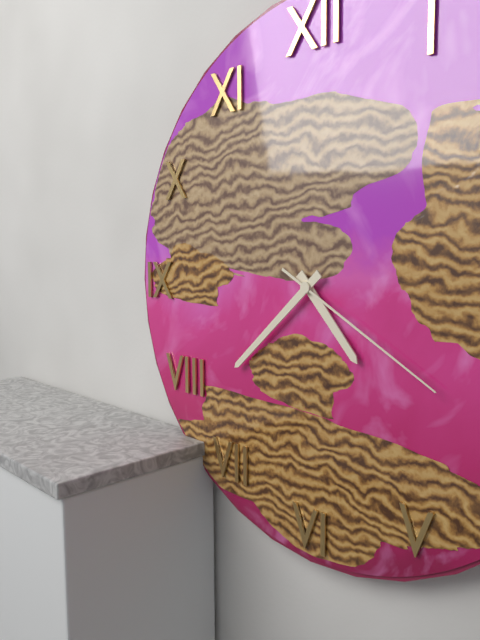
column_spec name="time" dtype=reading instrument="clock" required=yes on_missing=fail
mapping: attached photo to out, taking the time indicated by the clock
4:38:20
